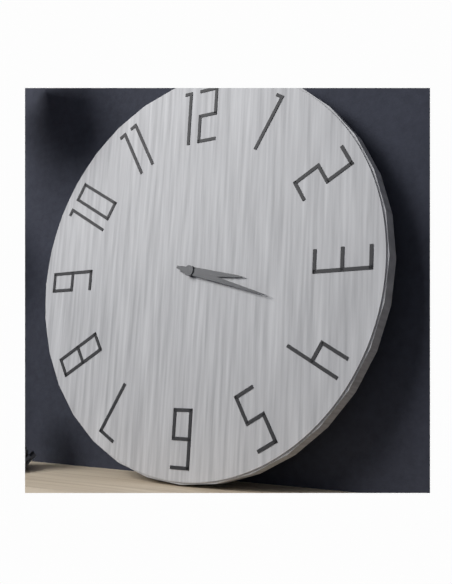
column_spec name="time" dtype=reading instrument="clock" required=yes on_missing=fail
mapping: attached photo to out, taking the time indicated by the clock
3:18
